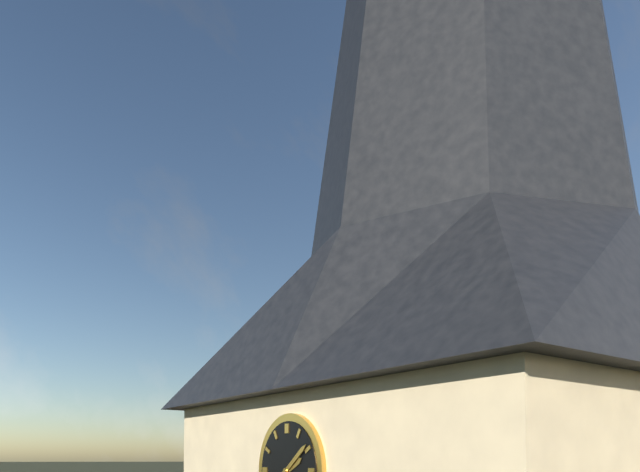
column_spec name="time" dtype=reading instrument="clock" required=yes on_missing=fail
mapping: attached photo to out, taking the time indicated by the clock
2:09
